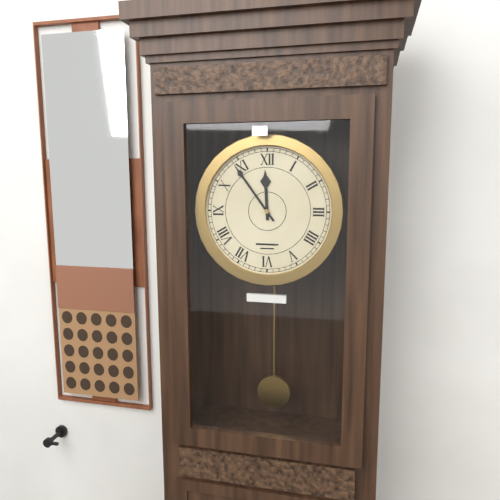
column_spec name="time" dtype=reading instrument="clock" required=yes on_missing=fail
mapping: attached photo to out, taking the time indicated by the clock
11:54
